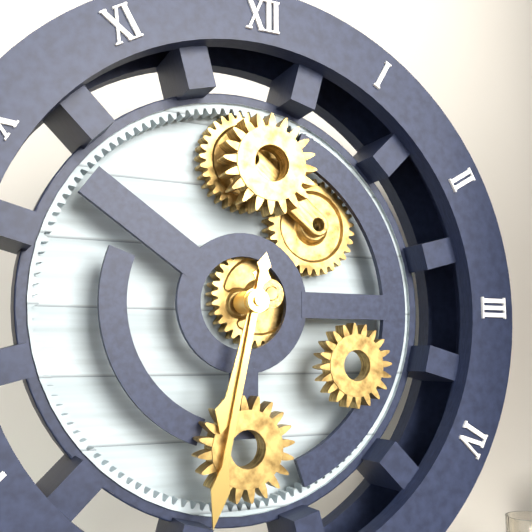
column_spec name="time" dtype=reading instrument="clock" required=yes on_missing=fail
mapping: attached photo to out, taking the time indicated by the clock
6:32
